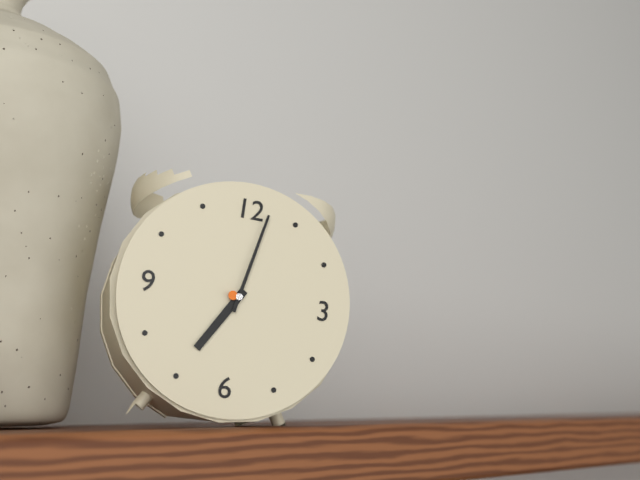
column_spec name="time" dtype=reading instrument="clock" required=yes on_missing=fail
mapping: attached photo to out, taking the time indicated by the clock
7:02
